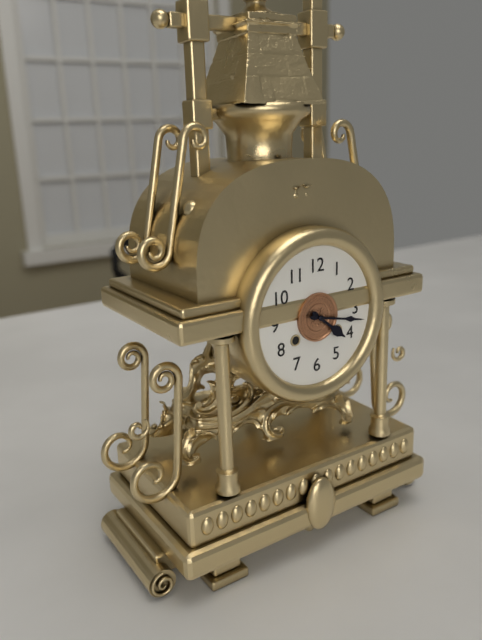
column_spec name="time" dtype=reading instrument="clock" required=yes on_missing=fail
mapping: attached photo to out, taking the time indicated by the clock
4:17
